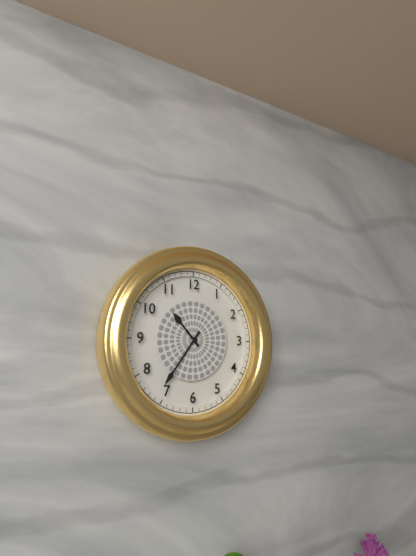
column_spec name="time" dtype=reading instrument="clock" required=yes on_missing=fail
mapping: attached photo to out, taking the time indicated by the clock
10:36
